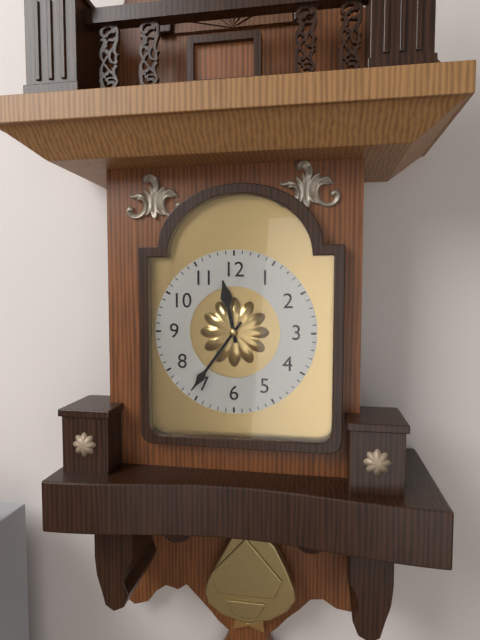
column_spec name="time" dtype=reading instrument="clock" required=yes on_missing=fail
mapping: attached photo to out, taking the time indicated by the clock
11:36
